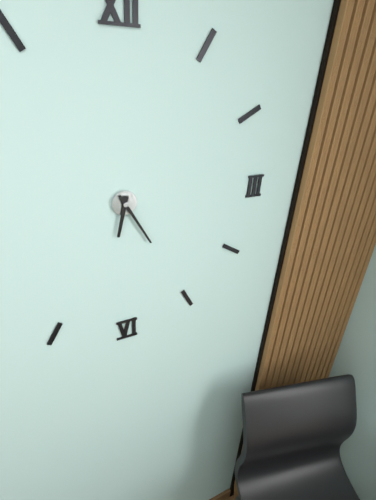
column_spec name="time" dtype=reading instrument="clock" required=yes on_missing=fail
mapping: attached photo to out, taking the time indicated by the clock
6:25
